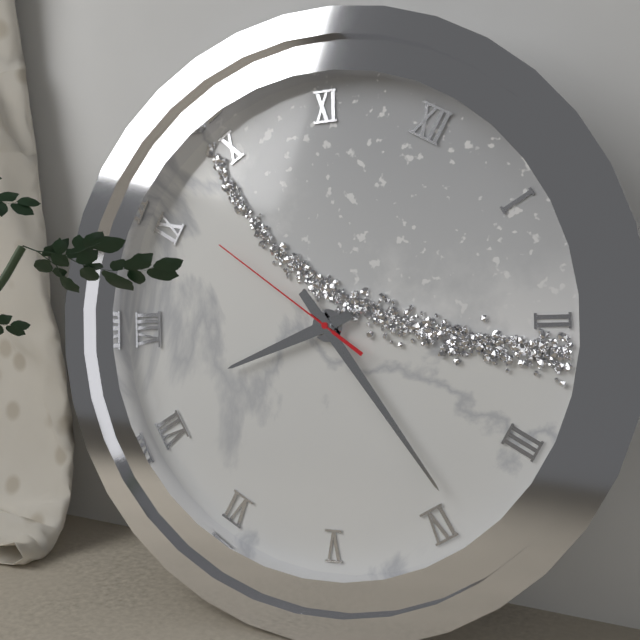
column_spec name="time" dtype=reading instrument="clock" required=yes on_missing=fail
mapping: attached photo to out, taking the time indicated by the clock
7:19:46
